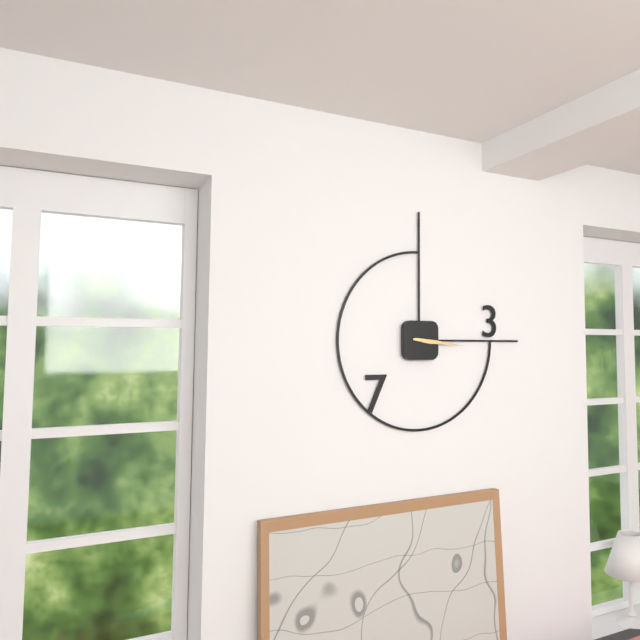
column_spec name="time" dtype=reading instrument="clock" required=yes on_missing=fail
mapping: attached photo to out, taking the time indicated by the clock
3:16
